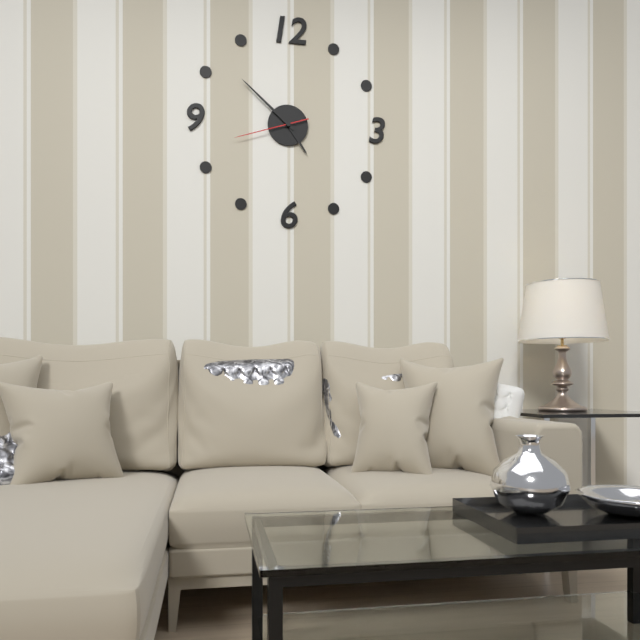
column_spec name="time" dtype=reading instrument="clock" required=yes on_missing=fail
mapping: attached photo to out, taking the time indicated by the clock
4:52:42
